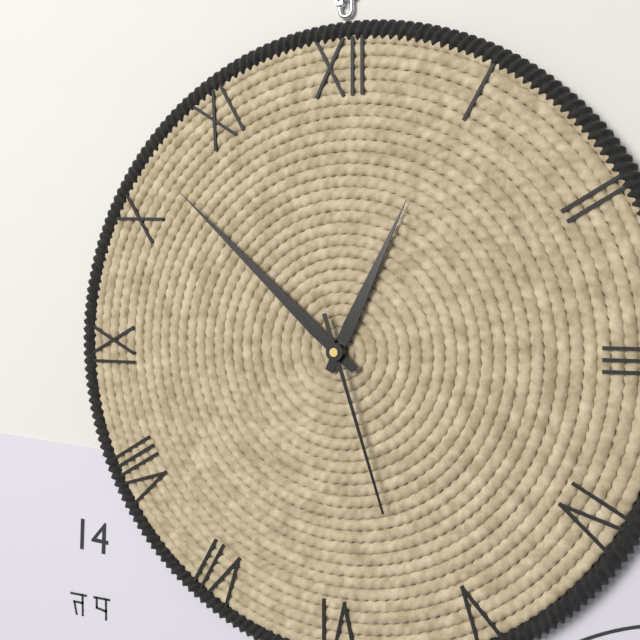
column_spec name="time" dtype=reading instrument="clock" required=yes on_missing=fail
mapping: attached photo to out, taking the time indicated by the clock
12:52:27
